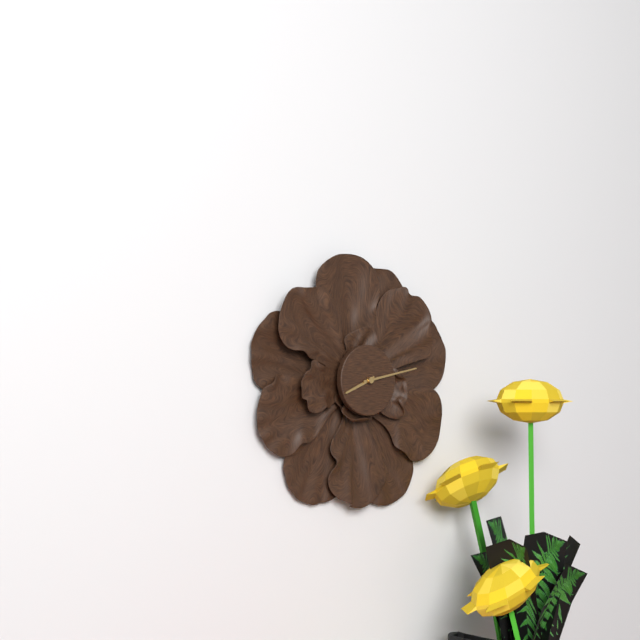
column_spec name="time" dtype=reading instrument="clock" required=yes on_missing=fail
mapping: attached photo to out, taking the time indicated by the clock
8:13
